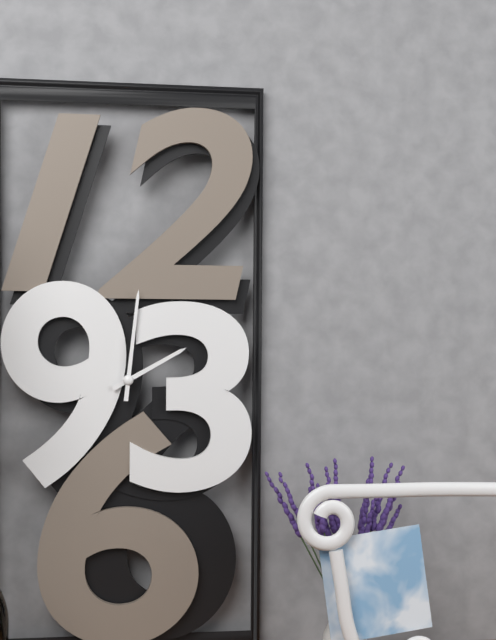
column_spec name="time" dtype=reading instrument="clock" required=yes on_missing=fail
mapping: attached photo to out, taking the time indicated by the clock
2:01
